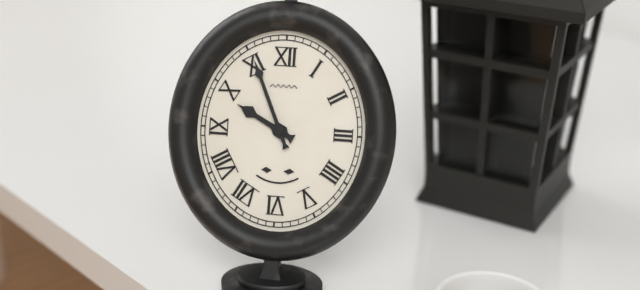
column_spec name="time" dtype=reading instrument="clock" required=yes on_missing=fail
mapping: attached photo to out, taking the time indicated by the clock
9:56
